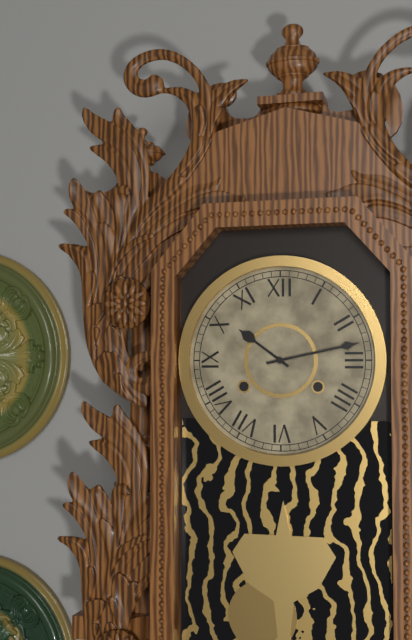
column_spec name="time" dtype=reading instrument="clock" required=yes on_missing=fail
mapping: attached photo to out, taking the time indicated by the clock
10:13
